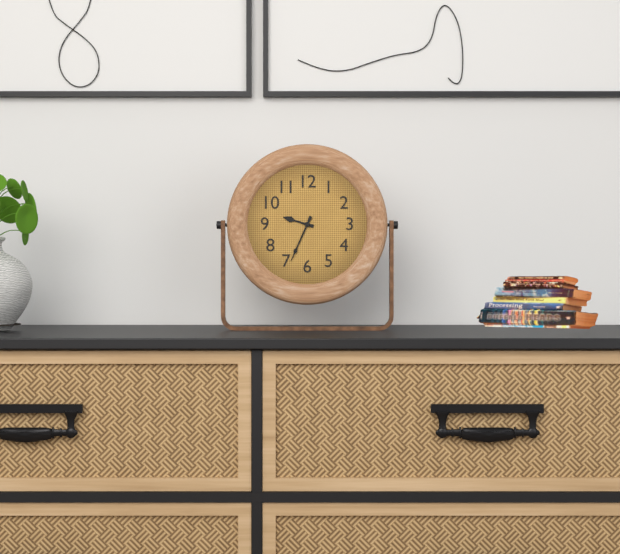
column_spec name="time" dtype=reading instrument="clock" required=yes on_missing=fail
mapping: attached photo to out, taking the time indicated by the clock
9:34
